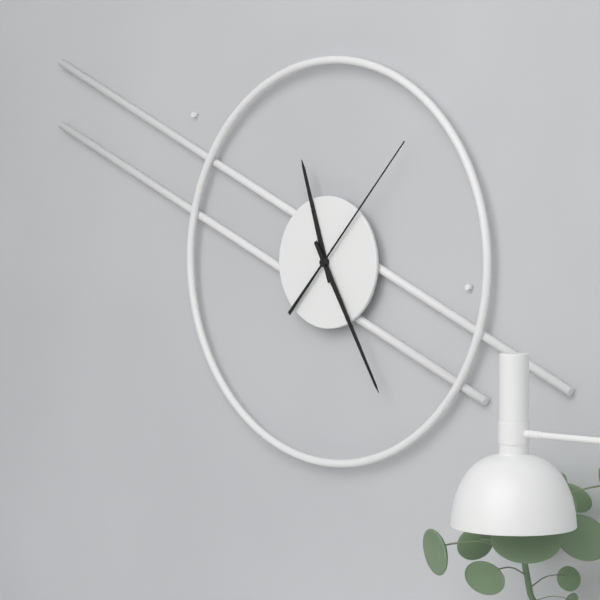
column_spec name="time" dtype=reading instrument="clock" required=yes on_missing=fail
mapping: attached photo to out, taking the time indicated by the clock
11:25:07
